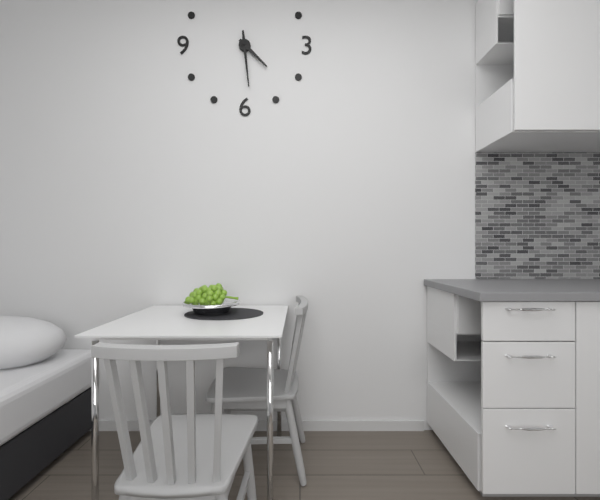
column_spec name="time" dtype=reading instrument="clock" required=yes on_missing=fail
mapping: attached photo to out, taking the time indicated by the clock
4:29
